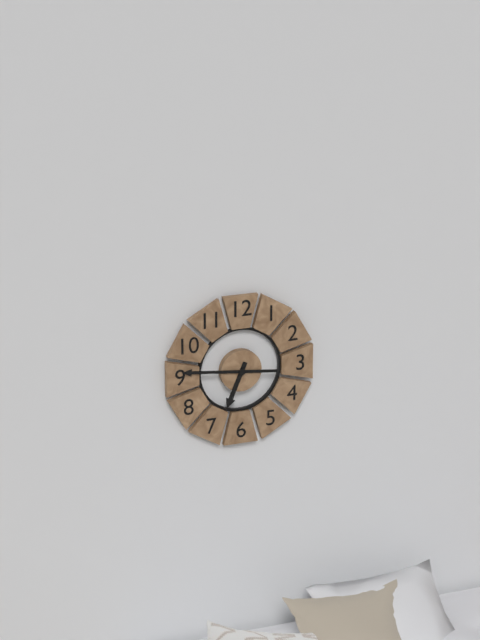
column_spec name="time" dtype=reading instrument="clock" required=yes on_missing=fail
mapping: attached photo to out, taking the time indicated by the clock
6:46
